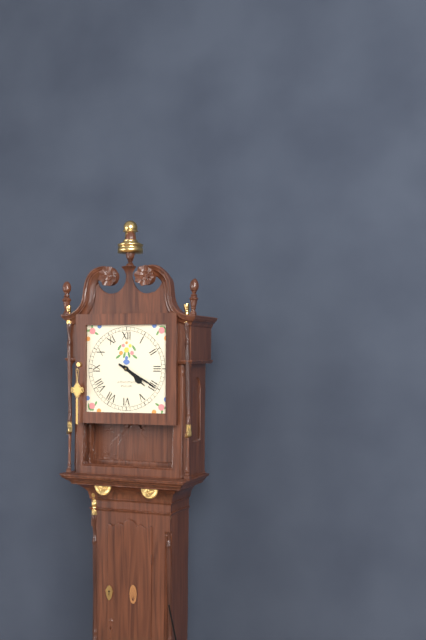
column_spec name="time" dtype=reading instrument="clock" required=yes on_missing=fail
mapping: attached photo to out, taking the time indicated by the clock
4:20
